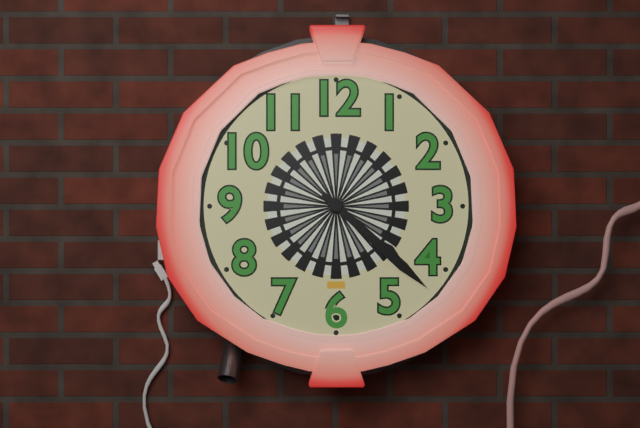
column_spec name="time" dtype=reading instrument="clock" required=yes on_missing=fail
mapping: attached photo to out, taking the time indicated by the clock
4:22
